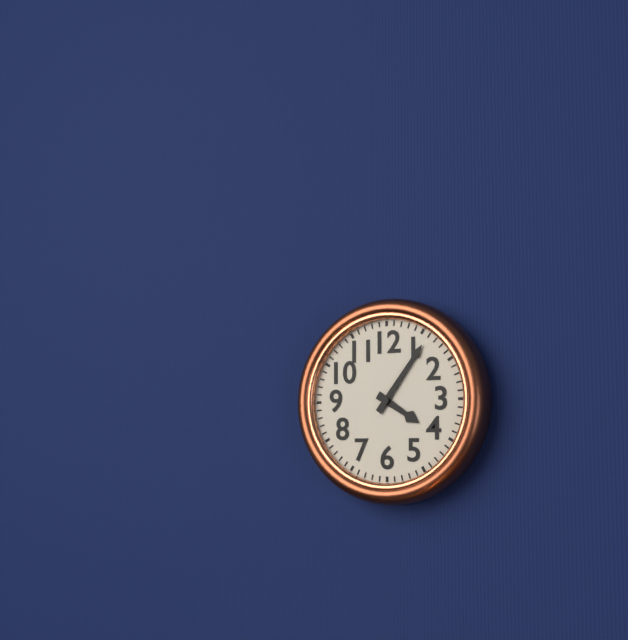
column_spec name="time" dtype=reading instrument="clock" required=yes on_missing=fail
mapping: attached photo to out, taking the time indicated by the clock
4:06
